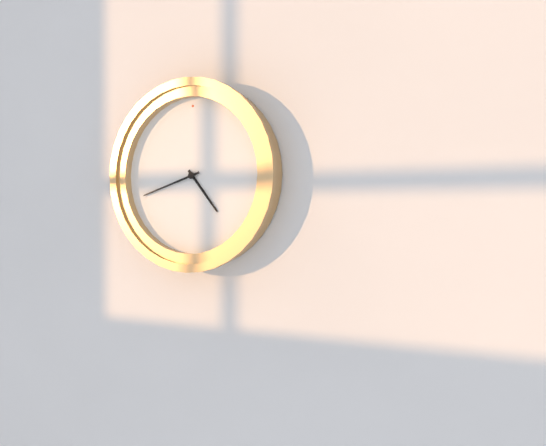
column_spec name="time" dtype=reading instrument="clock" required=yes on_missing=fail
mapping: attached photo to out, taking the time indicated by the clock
4:42
